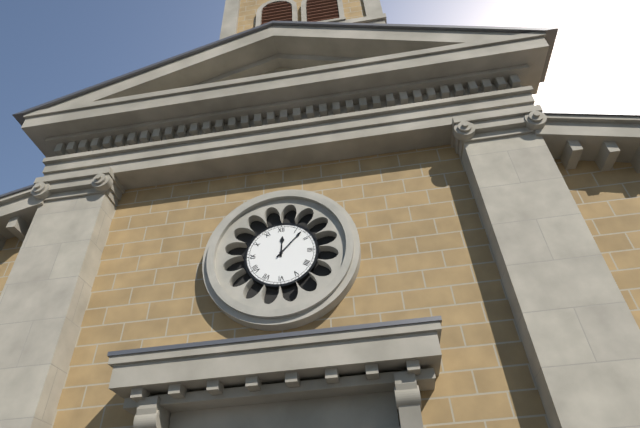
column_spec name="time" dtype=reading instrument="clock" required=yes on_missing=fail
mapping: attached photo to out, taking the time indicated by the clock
12:07
